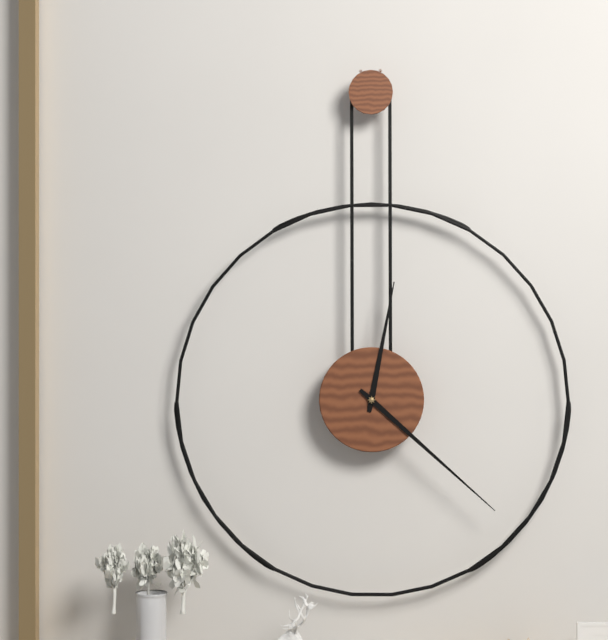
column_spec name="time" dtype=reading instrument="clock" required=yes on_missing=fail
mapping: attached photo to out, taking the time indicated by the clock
12:22
